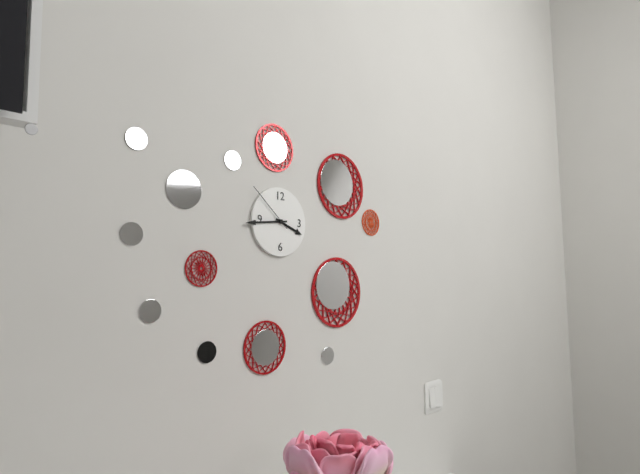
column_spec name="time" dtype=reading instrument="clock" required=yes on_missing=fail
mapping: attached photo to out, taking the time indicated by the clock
3:44:52
